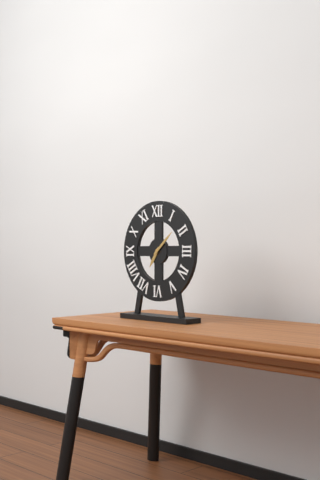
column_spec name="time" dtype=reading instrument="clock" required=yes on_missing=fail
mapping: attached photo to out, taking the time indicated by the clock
7:08
